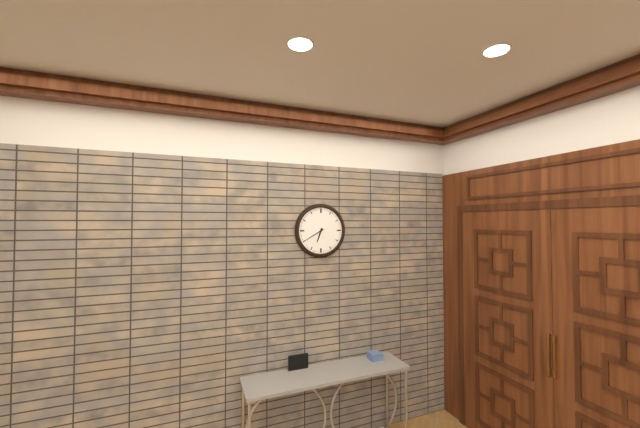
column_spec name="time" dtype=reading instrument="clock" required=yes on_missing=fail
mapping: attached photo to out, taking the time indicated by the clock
6:40
